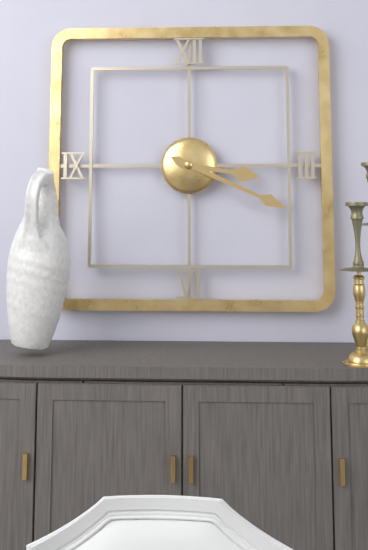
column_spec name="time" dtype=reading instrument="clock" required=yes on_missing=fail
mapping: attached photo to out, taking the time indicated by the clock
3:19
